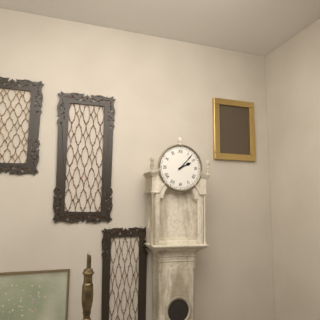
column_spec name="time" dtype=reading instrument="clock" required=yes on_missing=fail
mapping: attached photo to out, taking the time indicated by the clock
2:07
